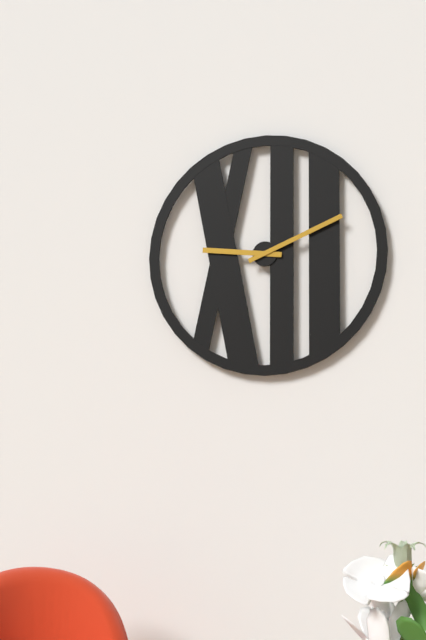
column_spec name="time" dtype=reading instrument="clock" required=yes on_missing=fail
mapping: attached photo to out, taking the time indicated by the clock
9:11
